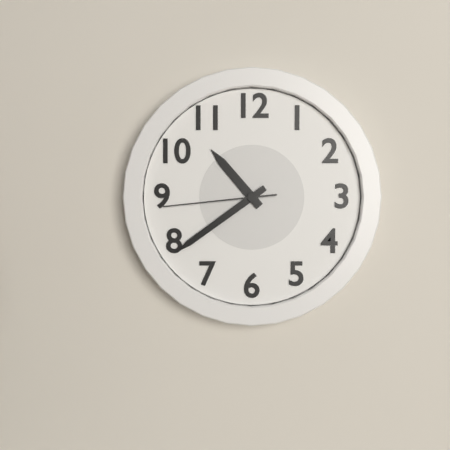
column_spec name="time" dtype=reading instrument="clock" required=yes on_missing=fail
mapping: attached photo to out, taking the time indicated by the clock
10:39:44
